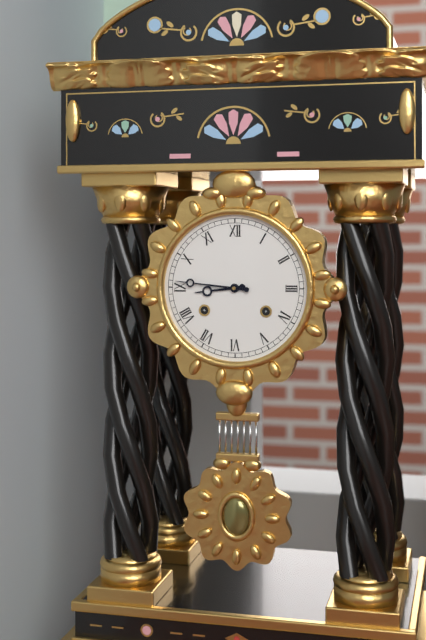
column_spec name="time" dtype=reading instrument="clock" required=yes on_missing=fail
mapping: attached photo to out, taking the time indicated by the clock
8:46
